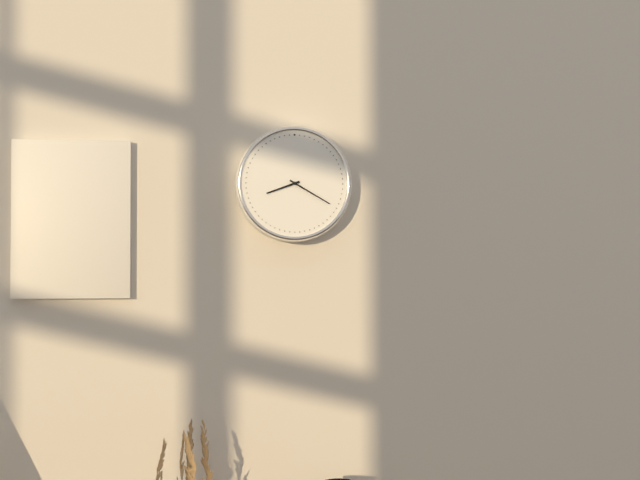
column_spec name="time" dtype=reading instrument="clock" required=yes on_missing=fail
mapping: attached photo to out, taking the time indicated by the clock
8:20
